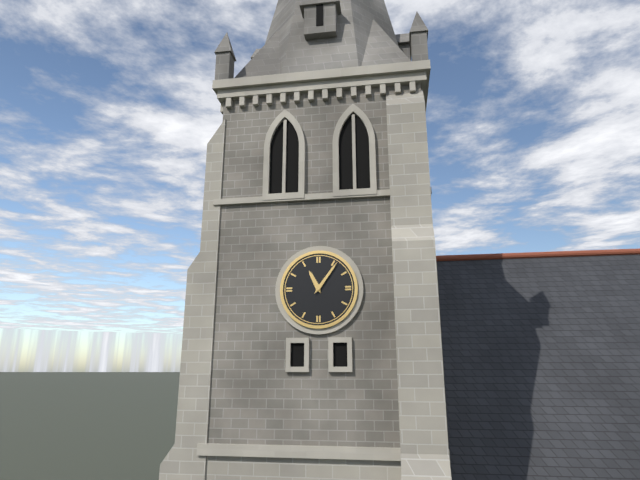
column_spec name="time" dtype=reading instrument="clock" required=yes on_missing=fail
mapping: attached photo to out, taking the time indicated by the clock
11:06
